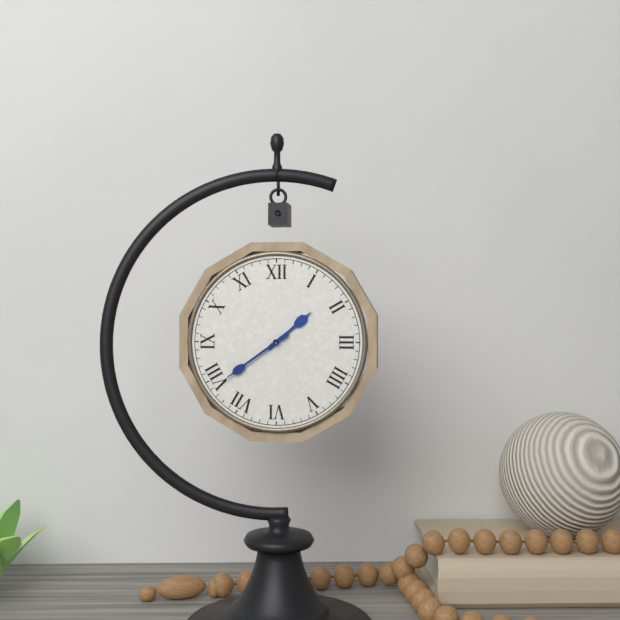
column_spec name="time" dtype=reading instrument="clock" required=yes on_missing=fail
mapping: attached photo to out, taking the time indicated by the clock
1:39
